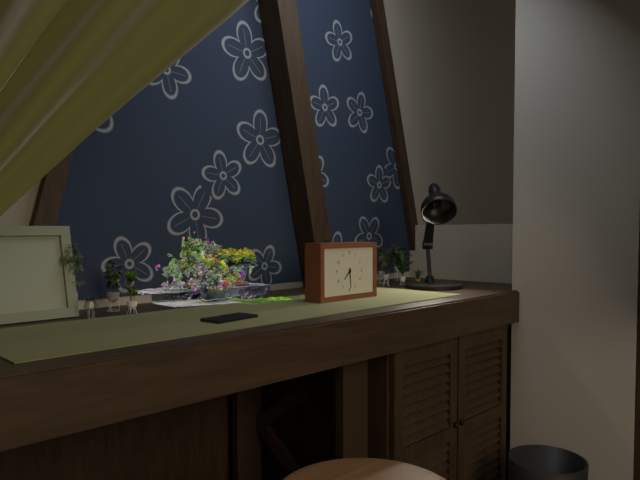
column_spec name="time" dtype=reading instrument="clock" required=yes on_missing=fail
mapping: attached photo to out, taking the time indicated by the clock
7:29
